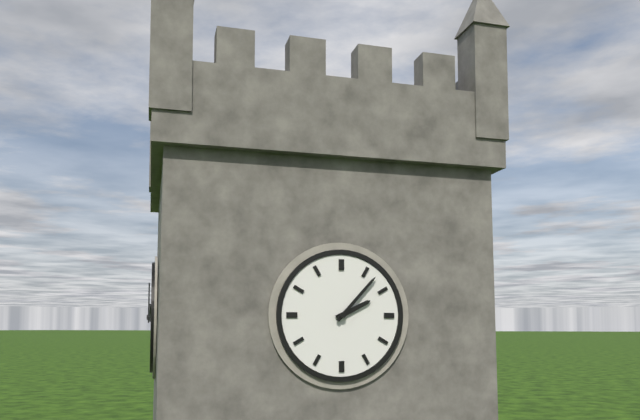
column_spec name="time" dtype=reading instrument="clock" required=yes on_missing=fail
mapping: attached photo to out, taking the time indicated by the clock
2:07
